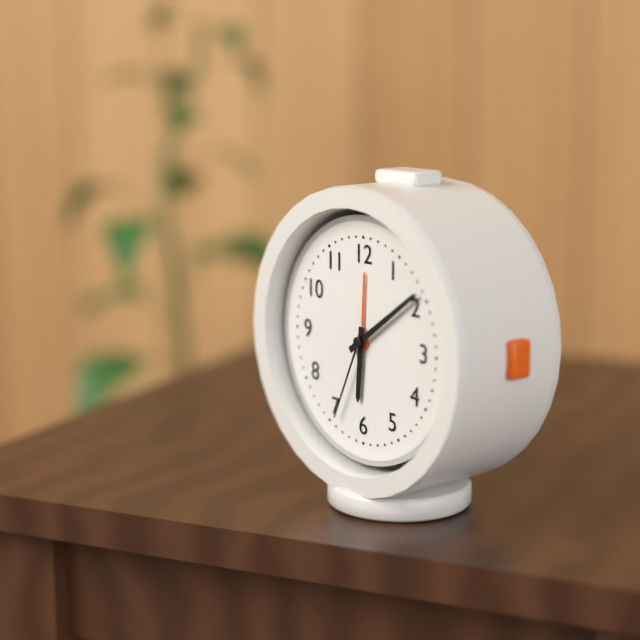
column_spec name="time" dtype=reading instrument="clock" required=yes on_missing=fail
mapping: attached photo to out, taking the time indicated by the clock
6:09:34
